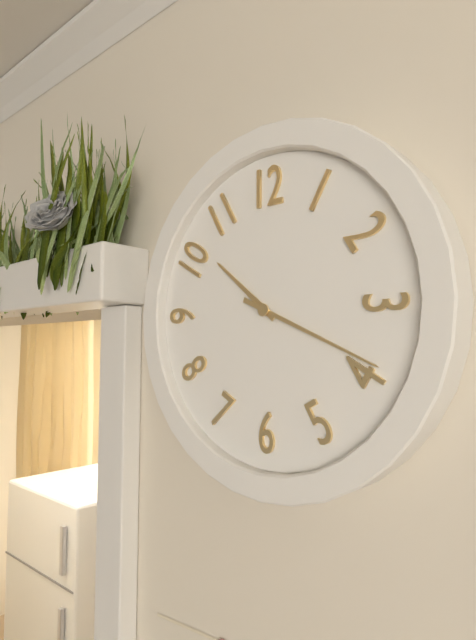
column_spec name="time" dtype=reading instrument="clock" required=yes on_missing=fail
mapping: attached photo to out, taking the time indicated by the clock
10:19
